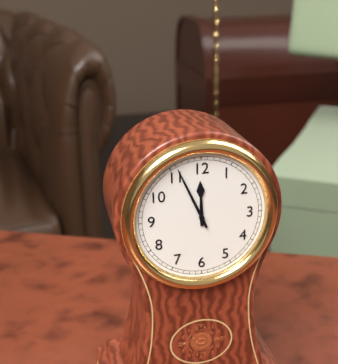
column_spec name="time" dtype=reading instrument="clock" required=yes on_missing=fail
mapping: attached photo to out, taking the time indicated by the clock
11:56
